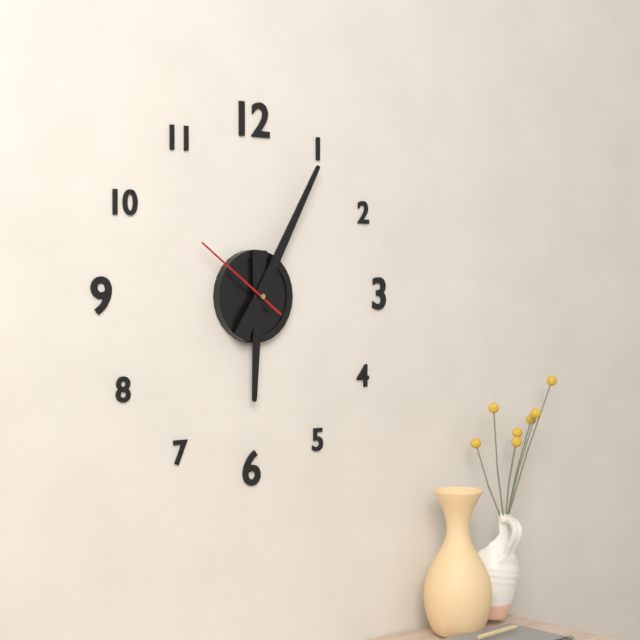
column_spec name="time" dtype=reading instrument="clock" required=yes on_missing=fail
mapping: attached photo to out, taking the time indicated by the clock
6:05:51
